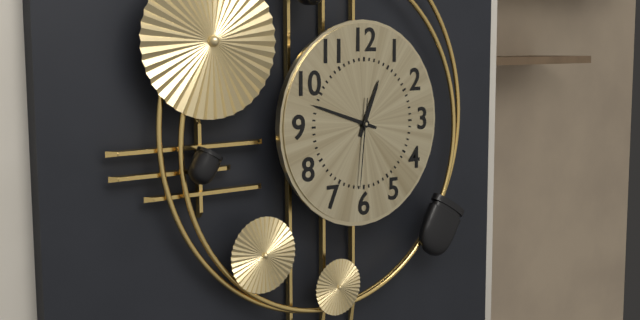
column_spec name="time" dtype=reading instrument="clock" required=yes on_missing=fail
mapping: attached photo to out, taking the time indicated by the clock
12:48:31
